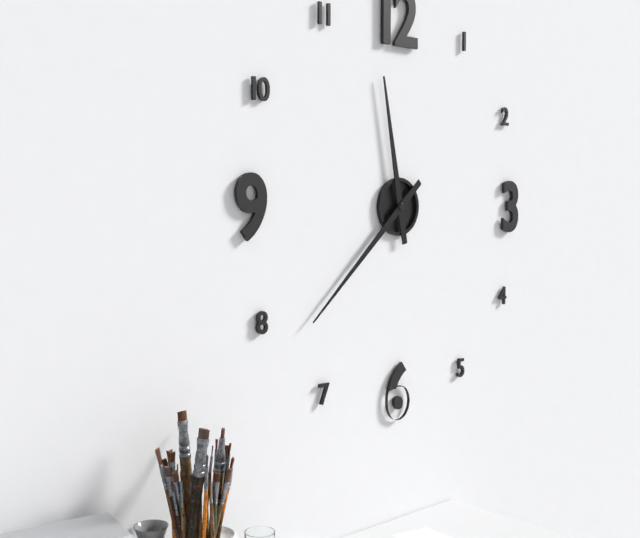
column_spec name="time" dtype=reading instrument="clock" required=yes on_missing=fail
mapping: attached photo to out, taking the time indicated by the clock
11:38
